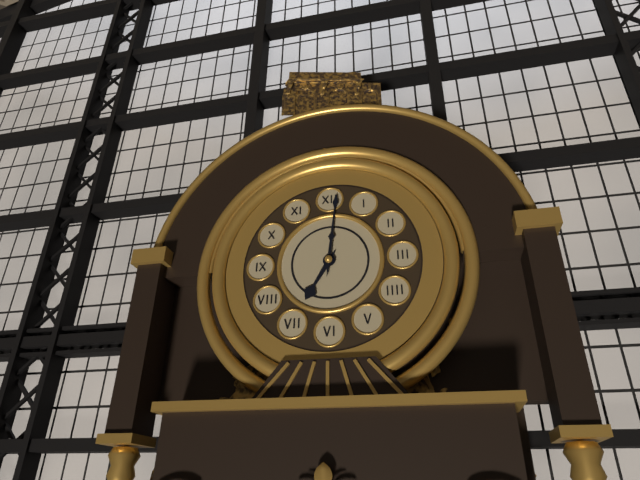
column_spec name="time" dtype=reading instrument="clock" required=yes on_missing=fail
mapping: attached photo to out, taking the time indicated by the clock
7:01
